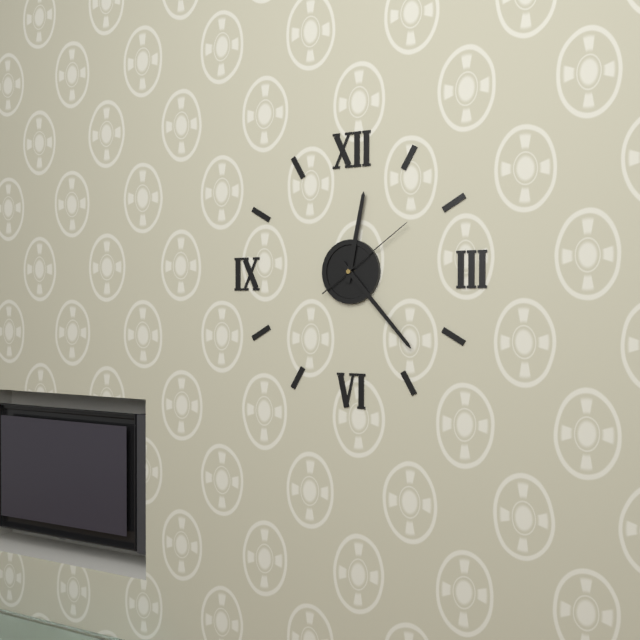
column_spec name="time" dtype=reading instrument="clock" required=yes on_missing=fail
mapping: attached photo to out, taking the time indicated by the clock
12:23:09
